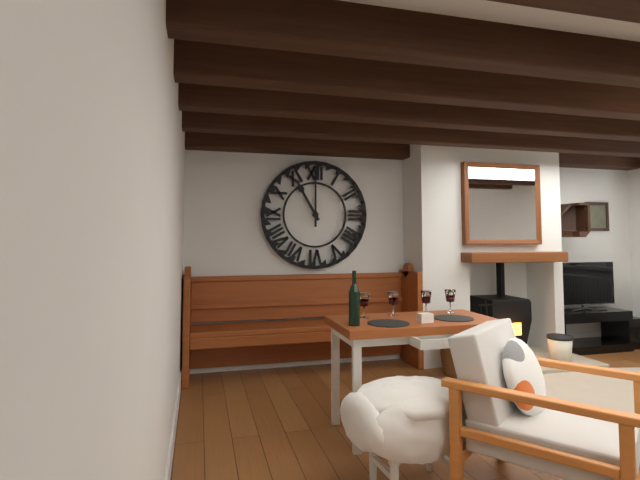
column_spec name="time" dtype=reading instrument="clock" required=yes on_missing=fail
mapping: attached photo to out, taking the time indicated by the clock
11:00
